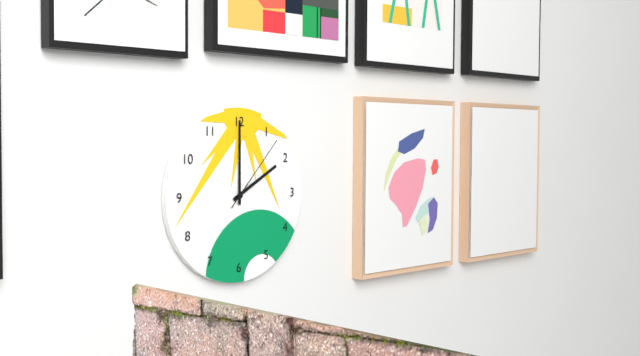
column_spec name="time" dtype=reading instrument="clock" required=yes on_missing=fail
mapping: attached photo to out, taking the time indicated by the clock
2:00:07
